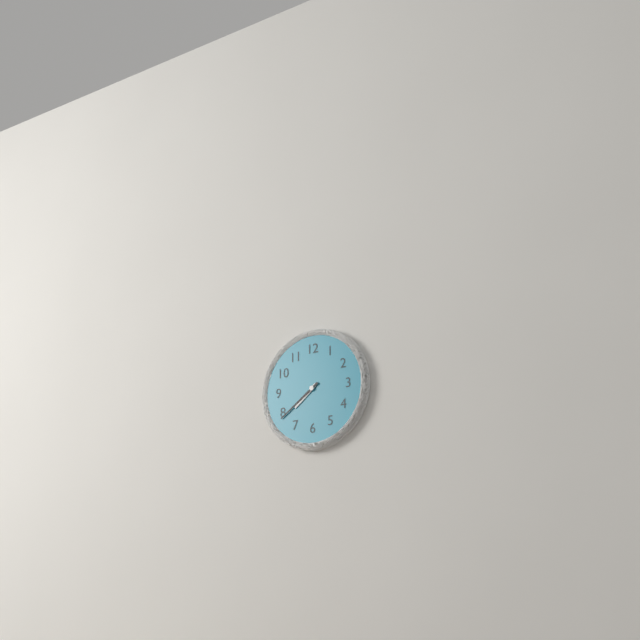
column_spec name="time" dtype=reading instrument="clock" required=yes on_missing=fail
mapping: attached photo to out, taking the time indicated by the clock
7:39
